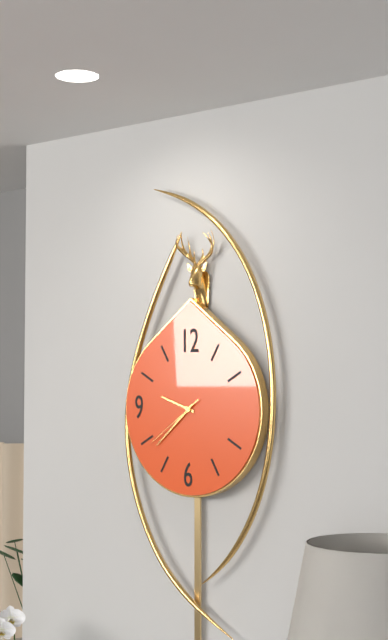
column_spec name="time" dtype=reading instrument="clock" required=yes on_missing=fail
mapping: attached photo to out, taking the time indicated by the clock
9:38:39
